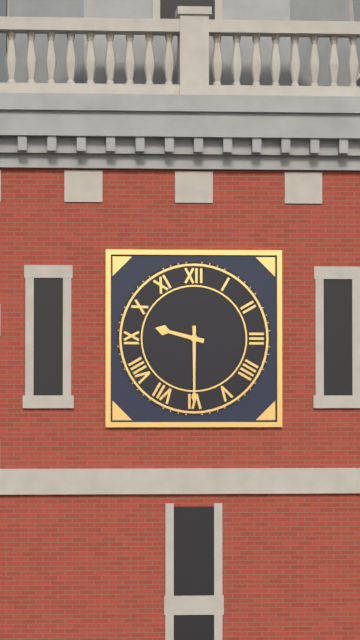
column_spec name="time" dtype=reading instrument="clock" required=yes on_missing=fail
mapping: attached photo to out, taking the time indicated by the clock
9:30
